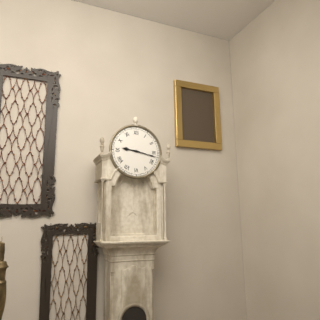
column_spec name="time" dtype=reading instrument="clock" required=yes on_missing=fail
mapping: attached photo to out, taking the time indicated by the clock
9:17
